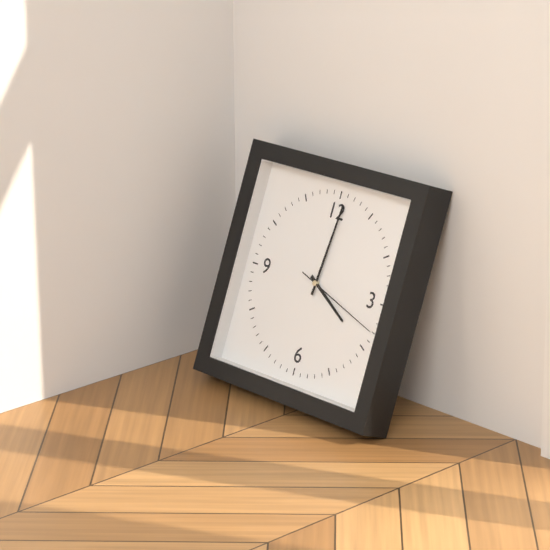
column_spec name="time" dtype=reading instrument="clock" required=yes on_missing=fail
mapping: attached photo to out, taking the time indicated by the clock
4:01:18
